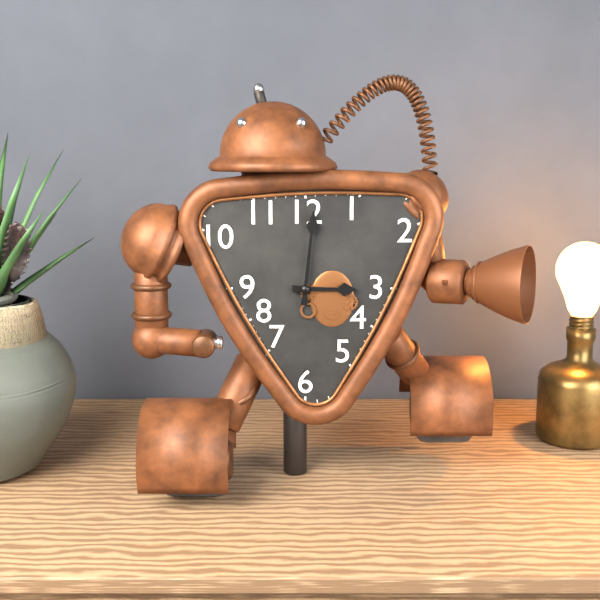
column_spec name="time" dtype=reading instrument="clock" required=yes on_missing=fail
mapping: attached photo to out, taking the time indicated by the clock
3:01
